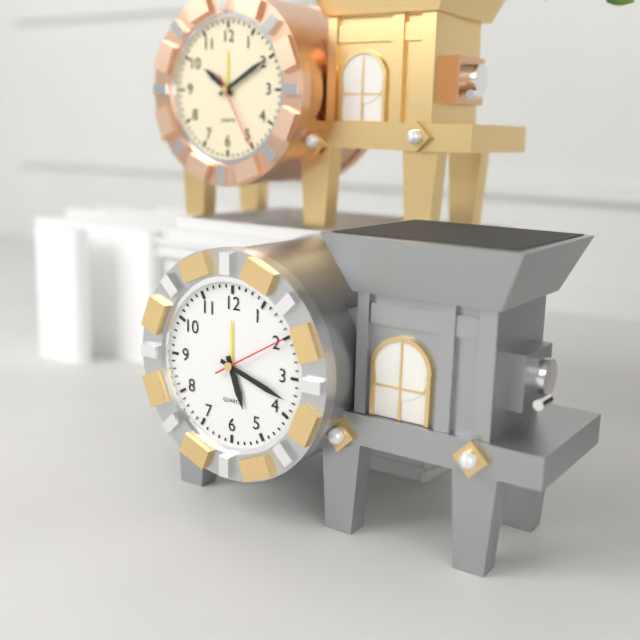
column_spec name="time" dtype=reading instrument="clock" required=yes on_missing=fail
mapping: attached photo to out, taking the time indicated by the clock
5:18:10
